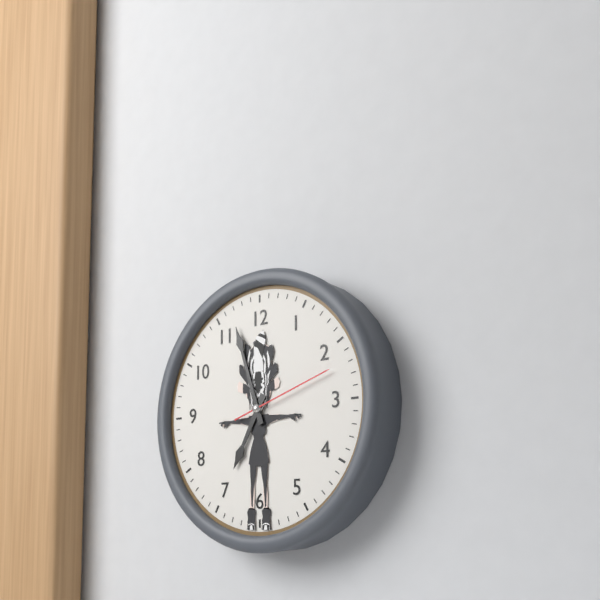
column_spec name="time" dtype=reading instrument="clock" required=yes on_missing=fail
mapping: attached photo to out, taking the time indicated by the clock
6:57:12
